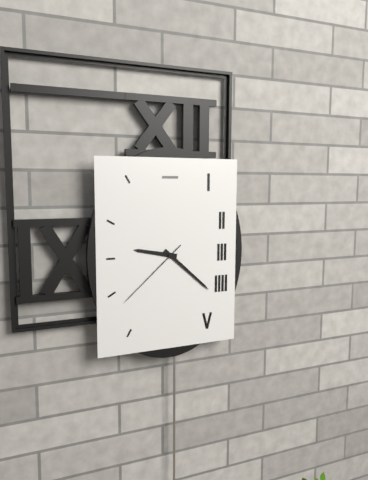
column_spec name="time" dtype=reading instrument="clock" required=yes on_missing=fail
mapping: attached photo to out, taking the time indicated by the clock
9:22:38
